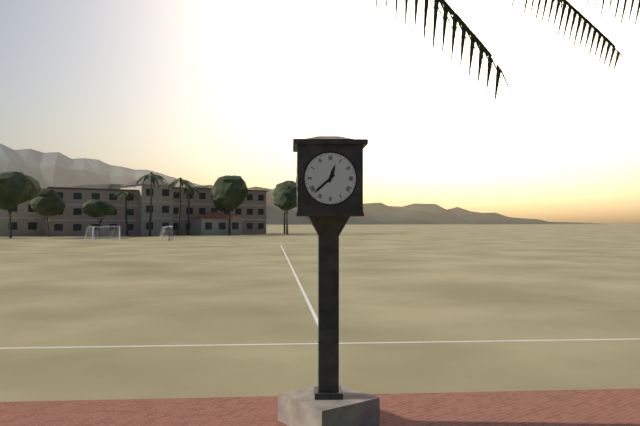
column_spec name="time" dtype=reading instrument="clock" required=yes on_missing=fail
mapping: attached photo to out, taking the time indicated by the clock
12:38
